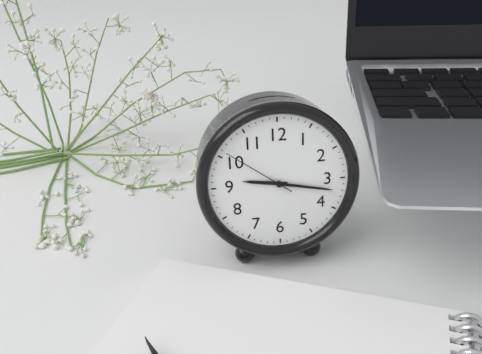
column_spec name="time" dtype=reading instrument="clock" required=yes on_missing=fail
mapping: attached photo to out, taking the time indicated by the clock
9:17:51
